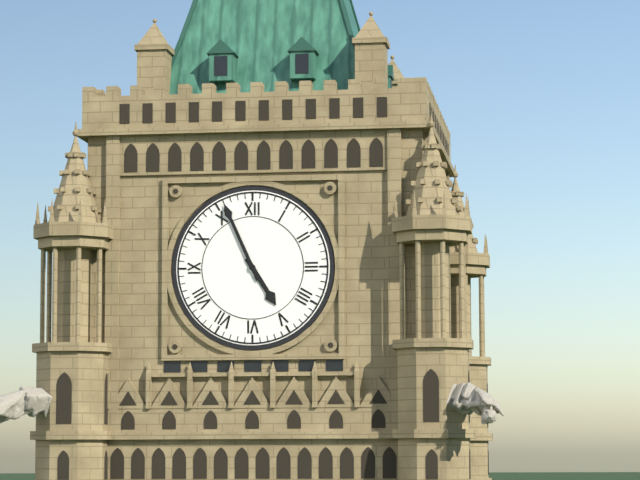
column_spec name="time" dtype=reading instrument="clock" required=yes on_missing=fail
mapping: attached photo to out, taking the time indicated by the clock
4:56
